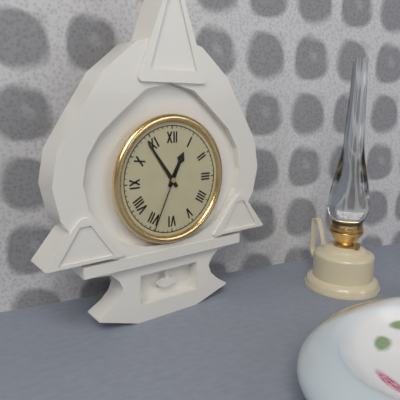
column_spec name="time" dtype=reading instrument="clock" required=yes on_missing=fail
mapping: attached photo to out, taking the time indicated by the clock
12:54:34
